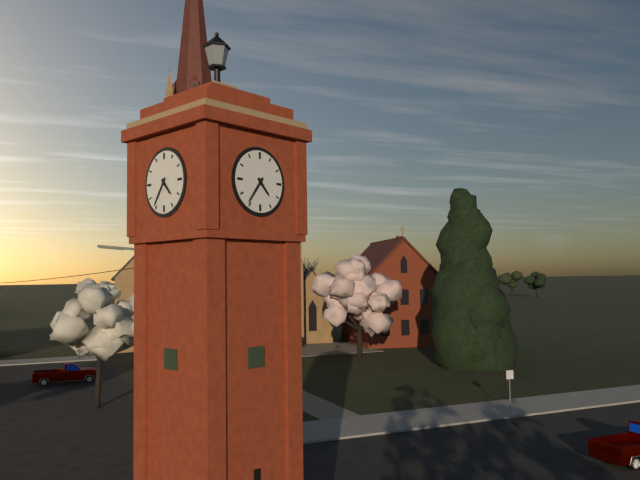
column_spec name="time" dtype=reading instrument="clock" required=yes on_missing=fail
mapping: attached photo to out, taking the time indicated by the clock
4:36
